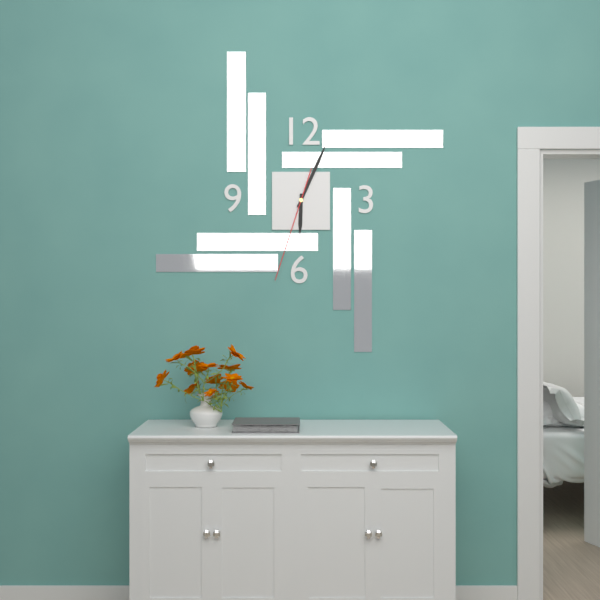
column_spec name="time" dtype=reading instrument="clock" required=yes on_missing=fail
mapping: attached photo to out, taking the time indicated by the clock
6:04:33
